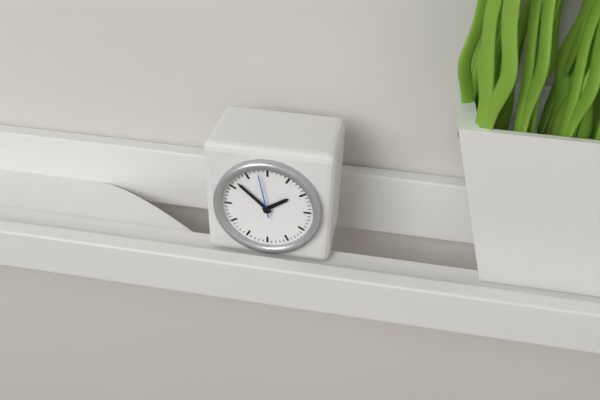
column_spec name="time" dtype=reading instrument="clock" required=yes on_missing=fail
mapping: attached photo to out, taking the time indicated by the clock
1:52
